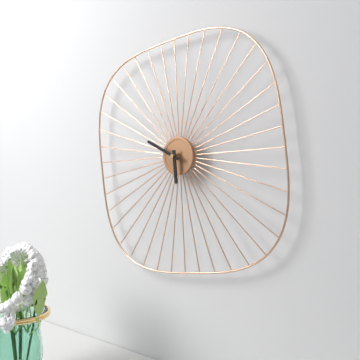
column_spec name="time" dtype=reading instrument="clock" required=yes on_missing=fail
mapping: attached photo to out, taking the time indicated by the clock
5:49
